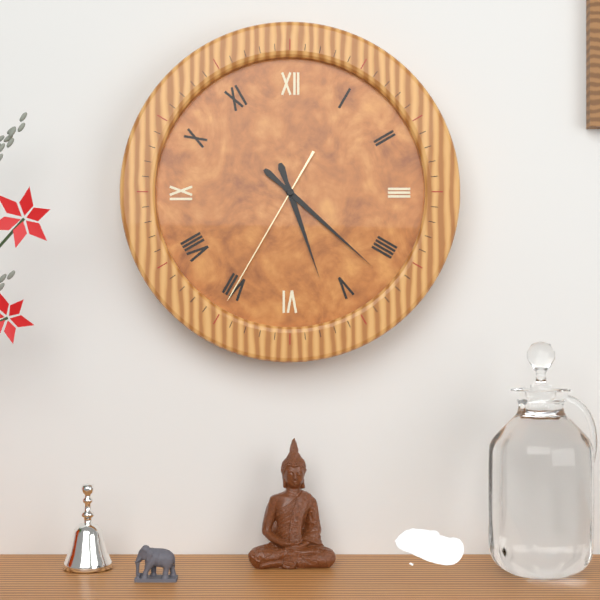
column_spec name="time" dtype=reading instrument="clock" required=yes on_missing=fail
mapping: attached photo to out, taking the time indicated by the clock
5:22:35
